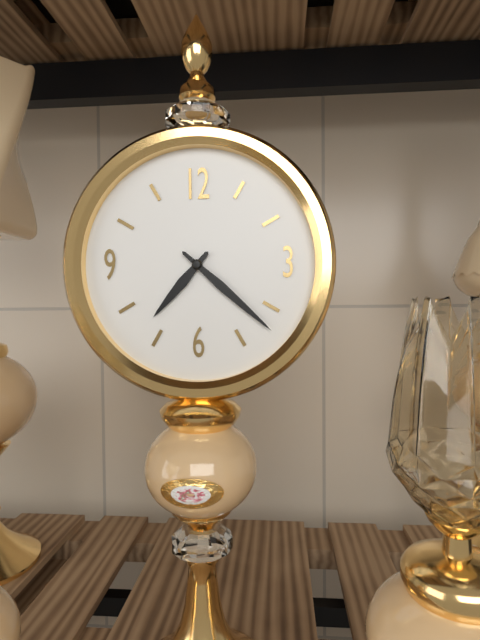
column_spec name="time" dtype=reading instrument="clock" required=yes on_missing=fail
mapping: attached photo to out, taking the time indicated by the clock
7:22
